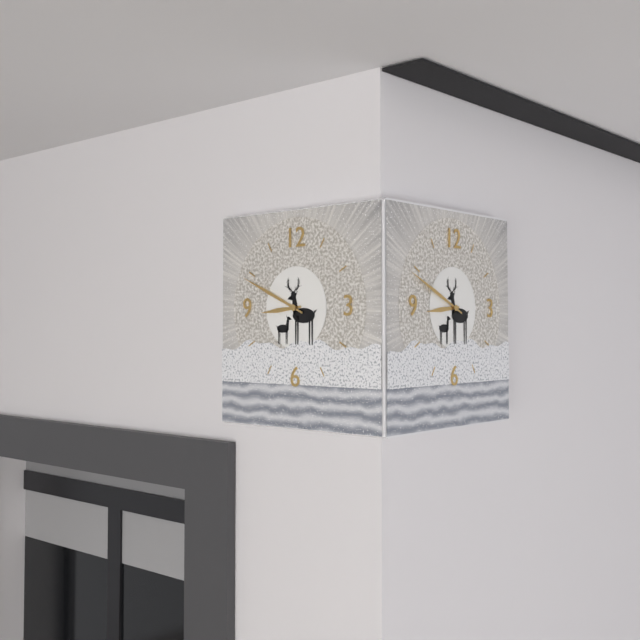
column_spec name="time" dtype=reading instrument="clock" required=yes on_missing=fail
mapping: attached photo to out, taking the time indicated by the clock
8:49
